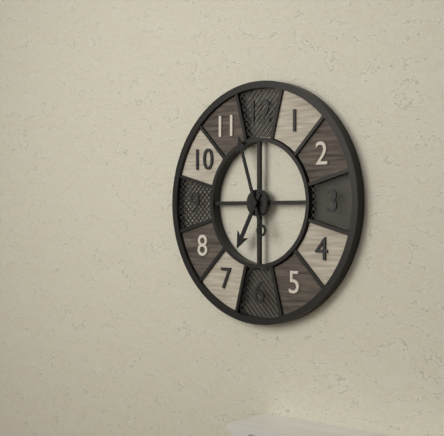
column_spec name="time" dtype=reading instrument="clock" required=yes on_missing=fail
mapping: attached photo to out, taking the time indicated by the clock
6:57
